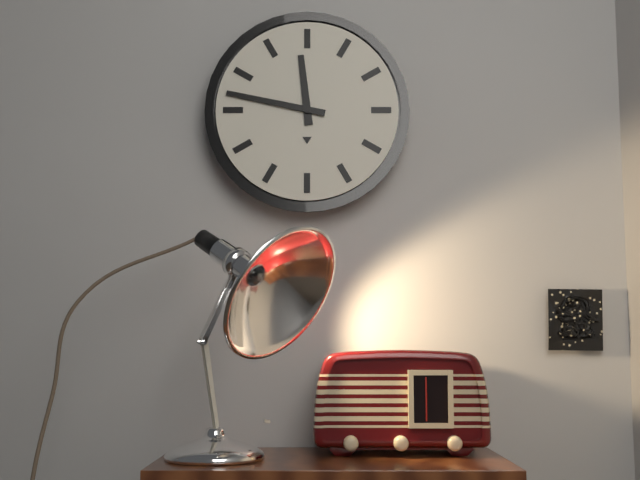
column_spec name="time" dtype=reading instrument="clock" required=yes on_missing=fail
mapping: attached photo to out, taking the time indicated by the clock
11:47
